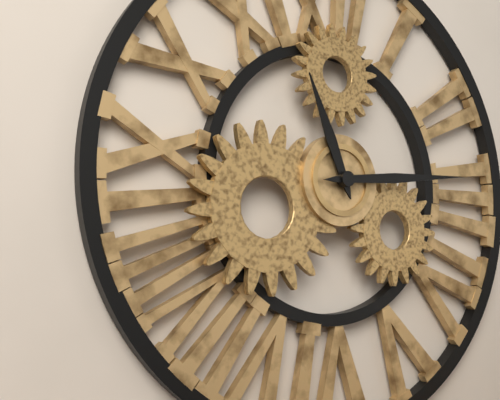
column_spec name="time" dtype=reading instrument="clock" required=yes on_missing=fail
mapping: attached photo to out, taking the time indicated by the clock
11:14
